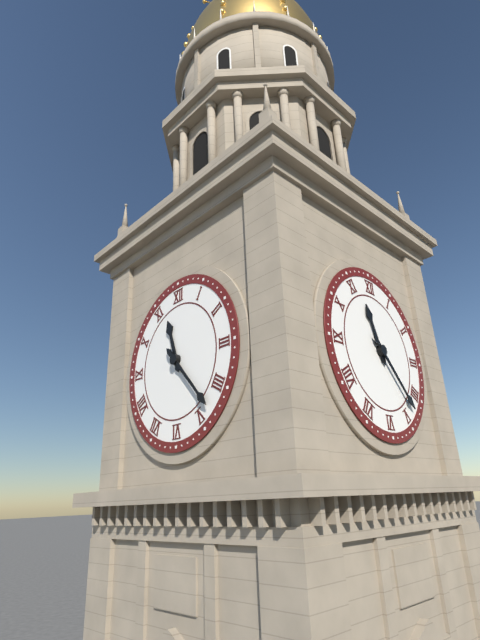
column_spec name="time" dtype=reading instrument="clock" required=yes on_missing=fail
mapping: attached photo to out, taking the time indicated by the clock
11:23
